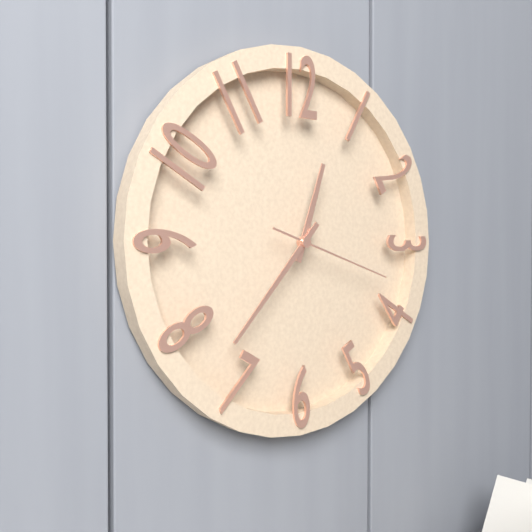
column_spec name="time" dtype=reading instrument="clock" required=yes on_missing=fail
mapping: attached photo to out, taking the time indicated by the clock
12:37:18
